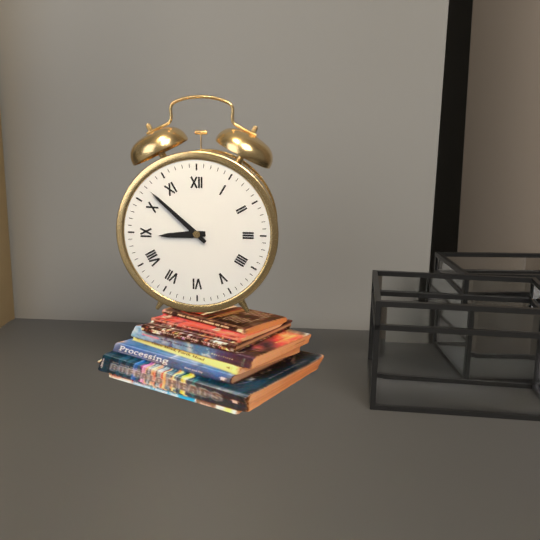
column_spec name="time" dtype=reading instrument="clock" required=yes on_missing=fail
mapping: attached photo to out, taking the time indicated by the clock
8:52
